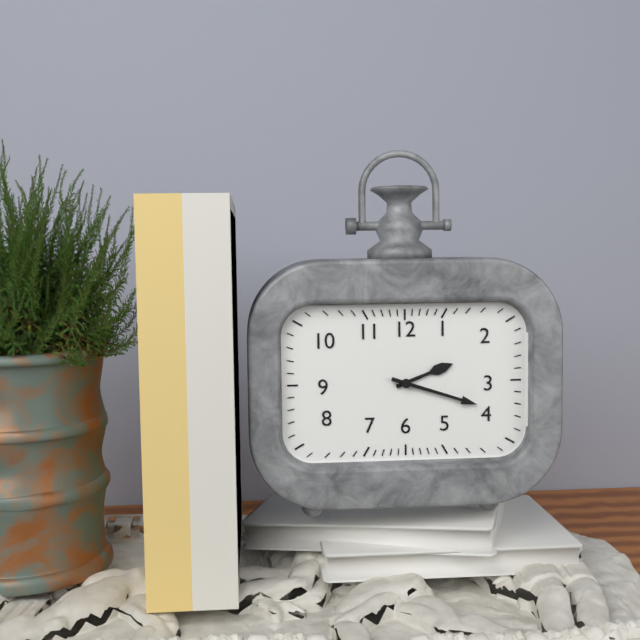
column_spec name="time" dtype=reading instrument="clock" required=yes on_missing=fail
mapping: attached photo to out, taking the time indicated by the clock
2:18
